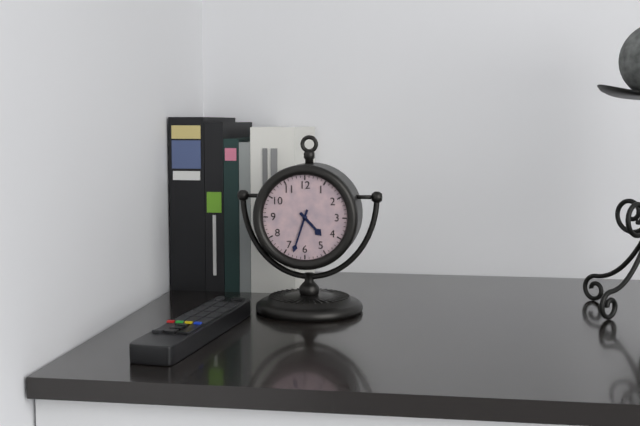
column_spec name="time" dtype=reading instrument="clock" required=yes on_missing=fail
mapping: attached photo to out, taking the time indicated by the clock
4:33
